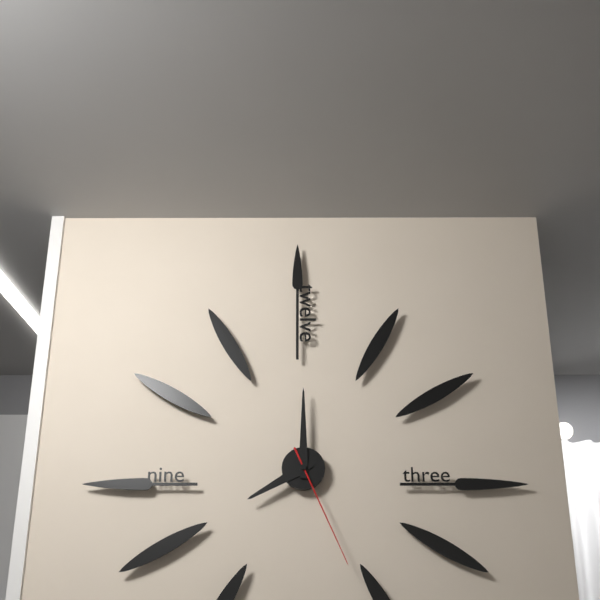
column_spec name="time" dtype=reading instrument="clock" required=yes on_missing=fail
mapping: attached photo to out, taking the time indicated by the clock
8:00:26
